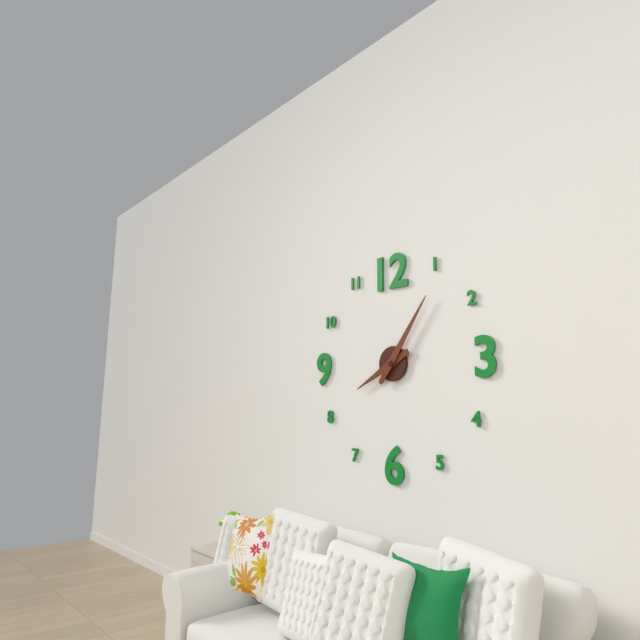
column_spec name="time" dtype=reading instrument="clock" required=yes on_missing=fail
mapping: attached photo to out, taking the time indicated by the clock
8:06
